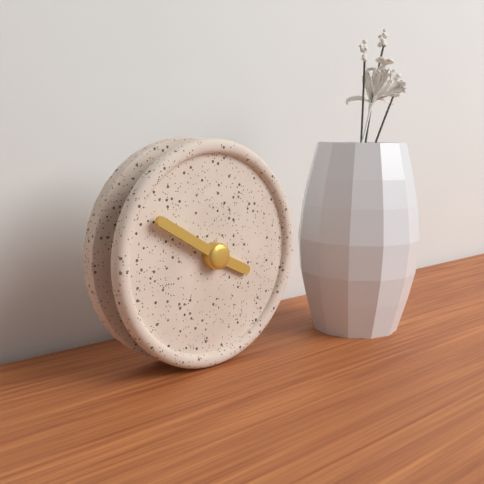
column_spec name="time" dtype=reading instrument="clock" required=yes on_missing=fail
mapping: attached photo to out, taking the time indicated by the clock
3:50
